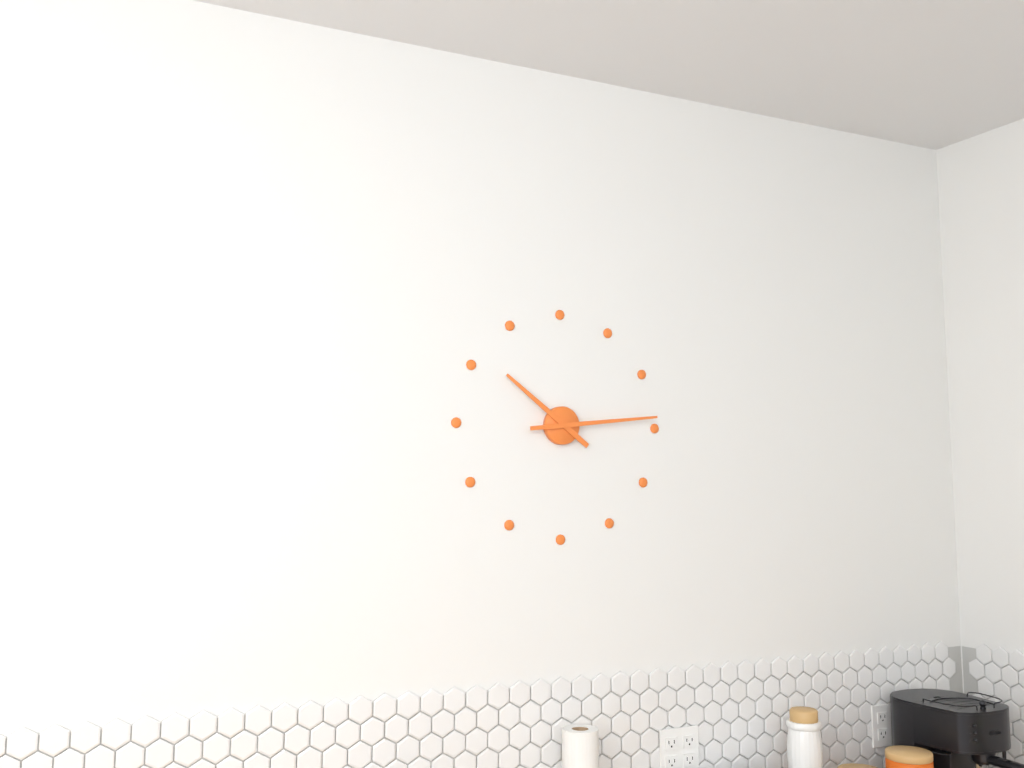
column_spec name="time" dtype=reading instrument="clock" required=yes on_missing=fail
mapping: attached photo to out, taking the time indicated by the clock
10:14
